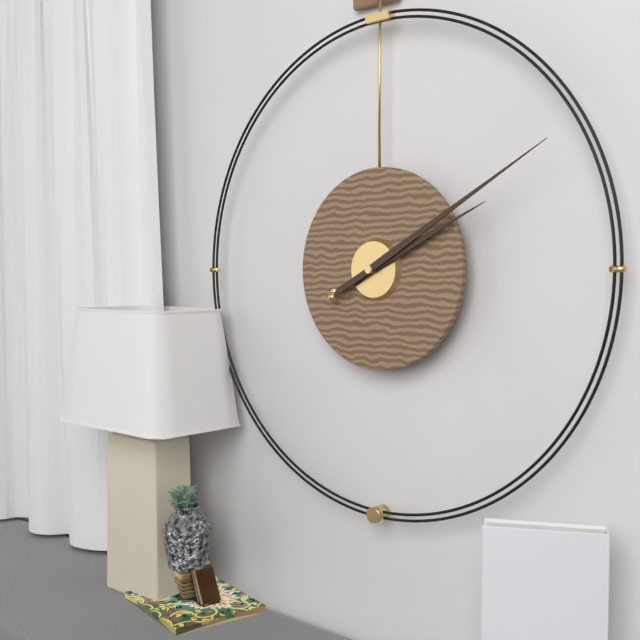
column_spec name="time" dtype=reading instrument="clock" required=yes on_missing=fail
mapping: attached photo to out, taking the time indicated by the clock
2:10
